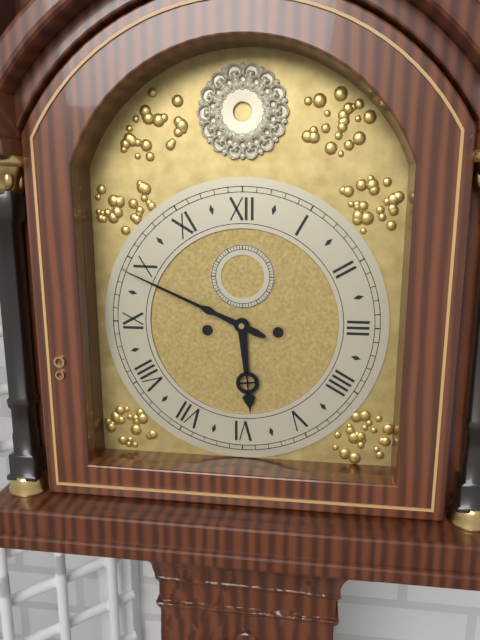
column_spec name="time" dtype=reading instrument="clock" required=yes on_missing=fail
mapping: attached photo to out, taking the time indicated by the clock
5:49
